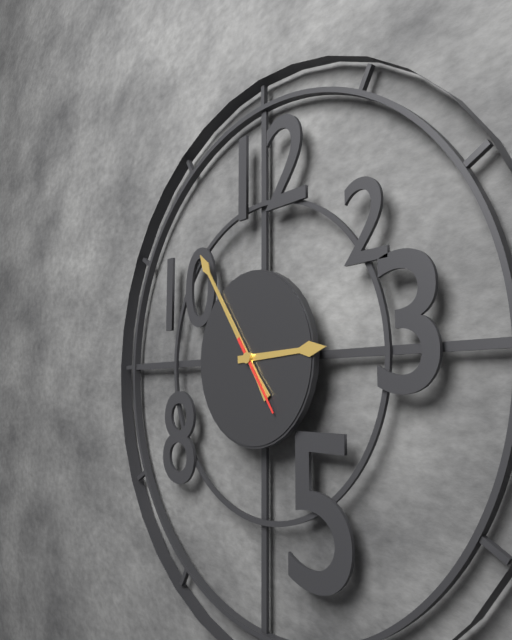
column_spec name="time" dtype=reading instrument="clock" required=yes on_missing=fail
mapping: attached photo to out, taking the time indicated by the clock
2:54:24
